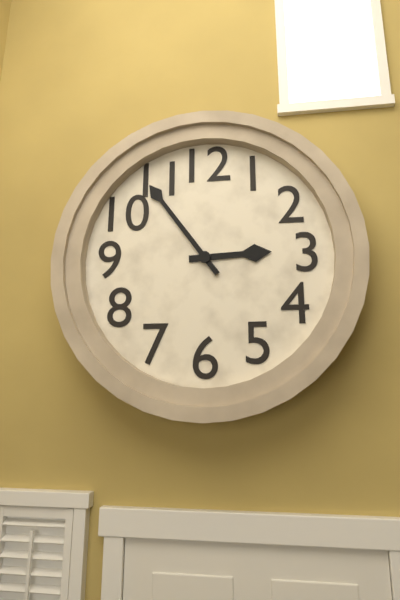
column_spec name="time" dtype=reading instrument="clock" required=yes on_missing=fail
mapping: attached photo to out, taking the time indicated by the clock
2:54
